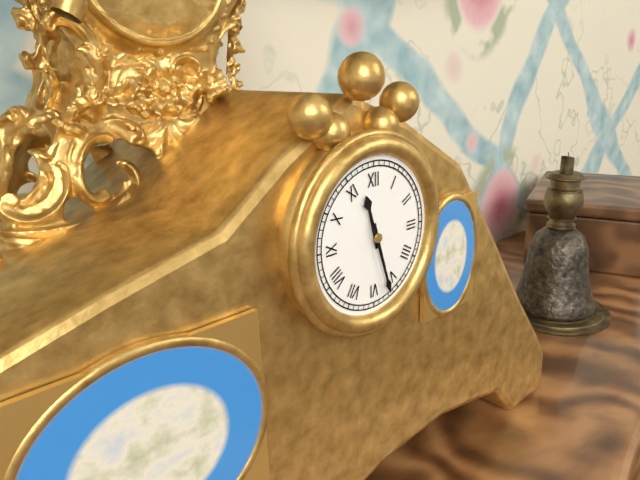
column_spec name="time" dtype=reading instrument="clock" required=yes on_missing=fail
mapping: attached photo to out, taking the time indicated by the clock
11:27
